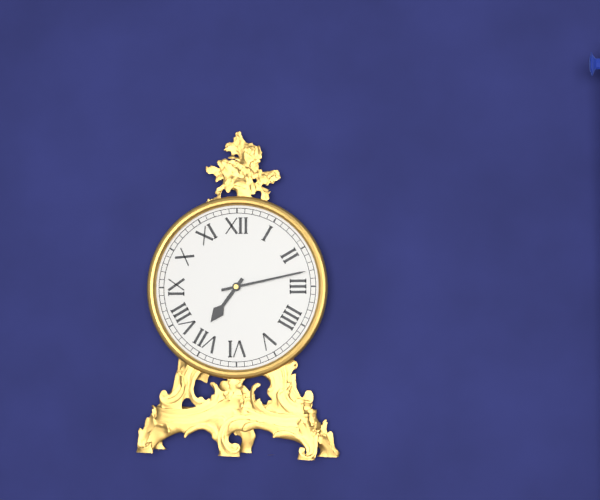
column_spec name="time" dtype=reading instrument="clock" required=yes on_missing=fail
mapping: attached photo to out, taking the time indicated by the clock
7:13
